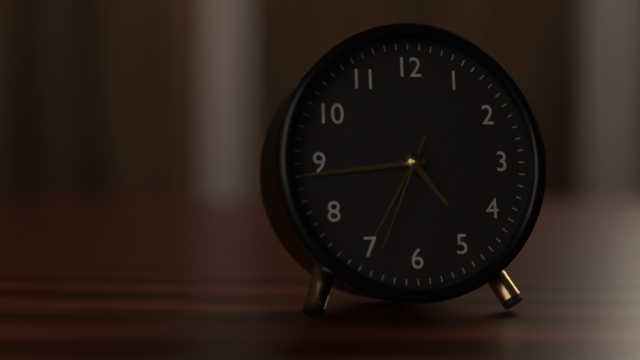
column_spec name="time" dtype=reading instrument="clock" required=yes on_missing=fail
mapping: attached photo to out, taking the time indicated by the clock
4:44:34
